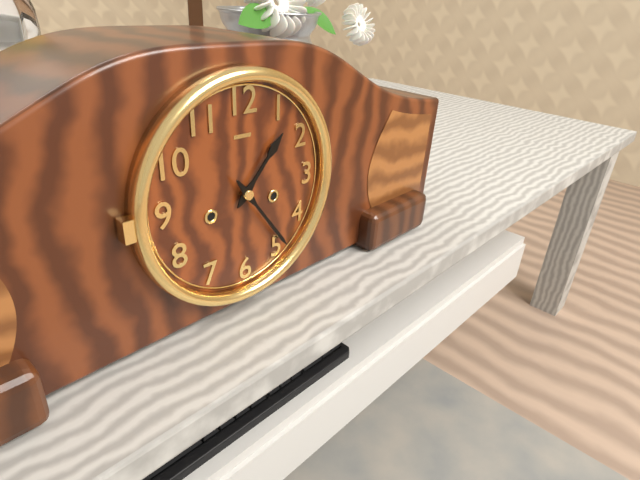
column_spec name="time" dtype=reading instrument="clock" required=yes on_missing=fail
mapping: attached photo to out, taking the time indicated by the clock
1:24
